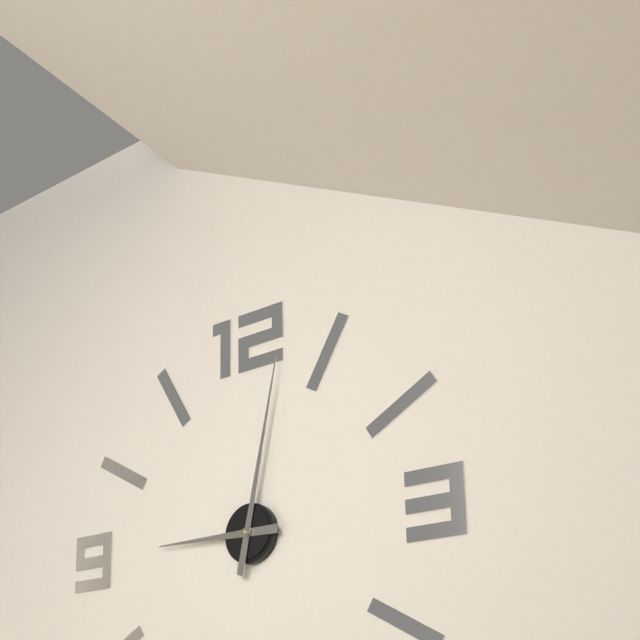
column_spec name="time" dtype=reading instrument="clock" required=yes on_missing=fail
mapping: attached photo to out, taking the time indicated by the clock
9:02
